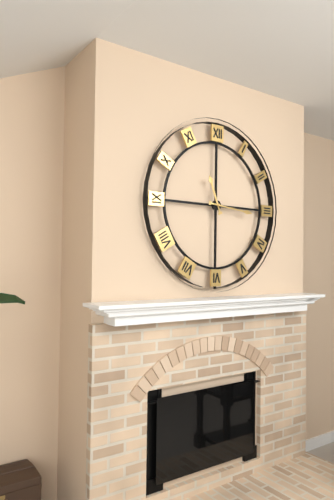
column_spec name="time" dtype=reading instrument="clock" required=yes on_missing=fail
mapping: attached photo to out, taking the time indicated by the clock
11:16
